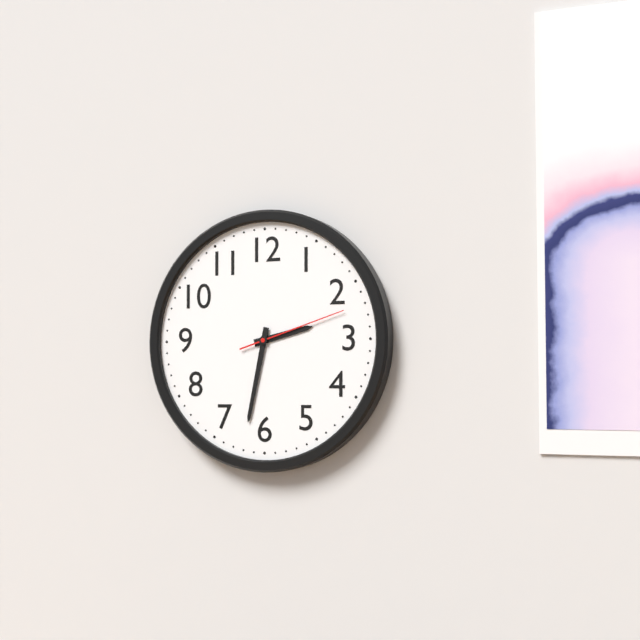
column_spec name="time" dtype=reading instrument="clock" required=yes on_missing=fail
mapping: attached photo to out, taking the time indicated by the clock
2:32:12
